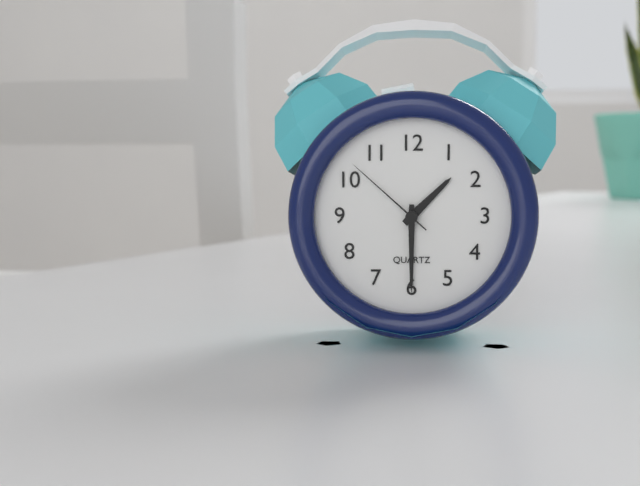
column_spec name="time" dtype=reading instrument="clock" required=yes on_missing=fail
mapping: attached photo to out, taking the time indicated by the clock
1:30:52
